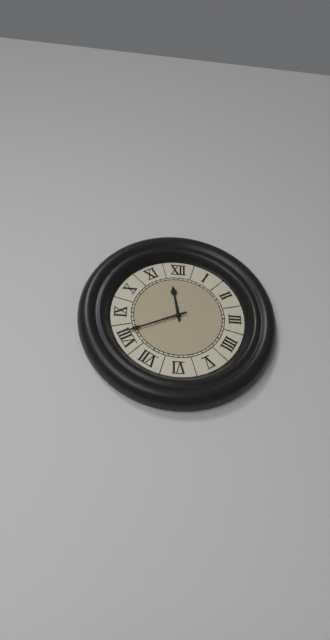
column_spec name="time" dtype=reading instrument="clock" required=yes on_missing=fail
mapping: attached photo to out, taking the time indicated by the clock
11:41
